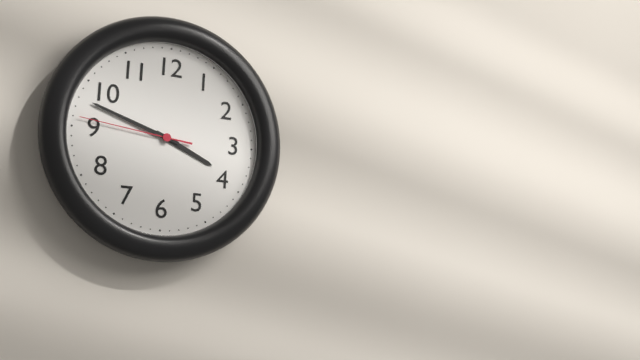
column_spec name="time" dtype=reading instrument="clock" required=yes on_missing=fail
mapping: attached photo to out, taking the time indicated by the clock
3:48:46
